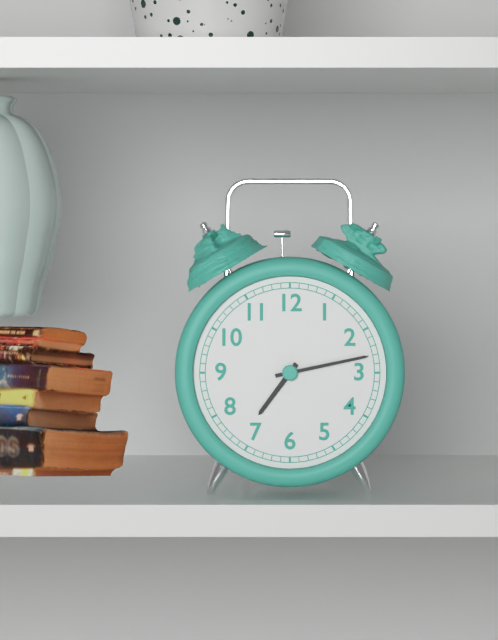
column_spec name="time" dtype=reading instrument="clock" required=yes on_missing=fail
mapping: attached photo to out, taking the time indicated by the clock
7:13
